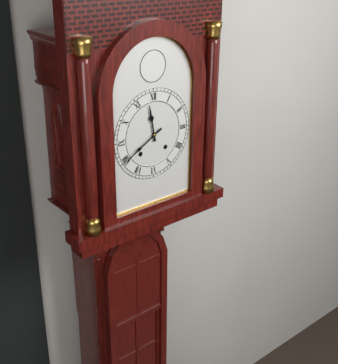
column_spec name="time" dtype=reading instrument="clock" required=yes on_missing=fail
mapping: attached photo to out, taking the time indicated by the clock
11:40
